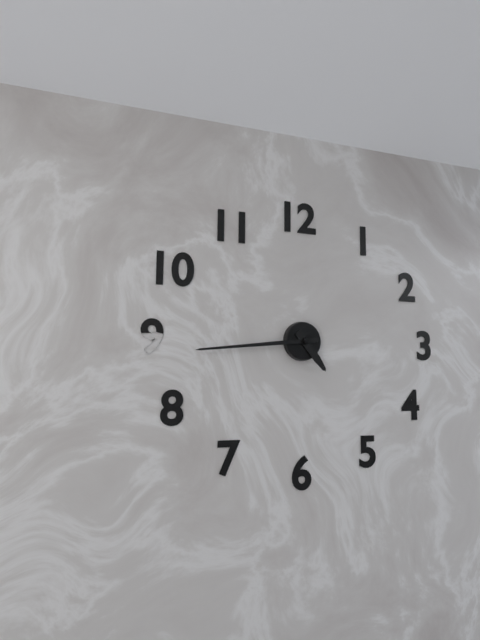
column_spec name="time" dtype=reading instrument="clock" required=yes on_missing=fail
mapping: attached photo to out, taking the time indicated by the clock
4:44
